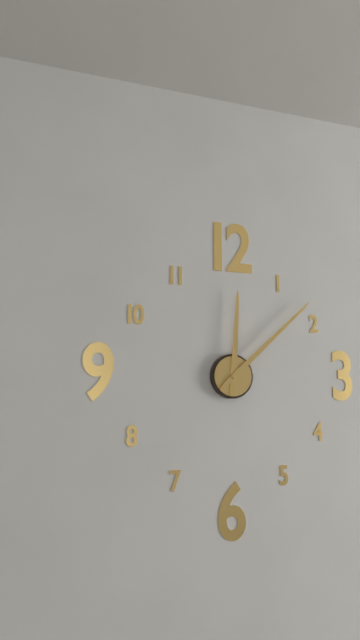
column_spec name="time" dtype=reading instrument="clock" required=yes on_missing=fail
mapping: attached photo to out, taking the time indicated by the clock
12:08
